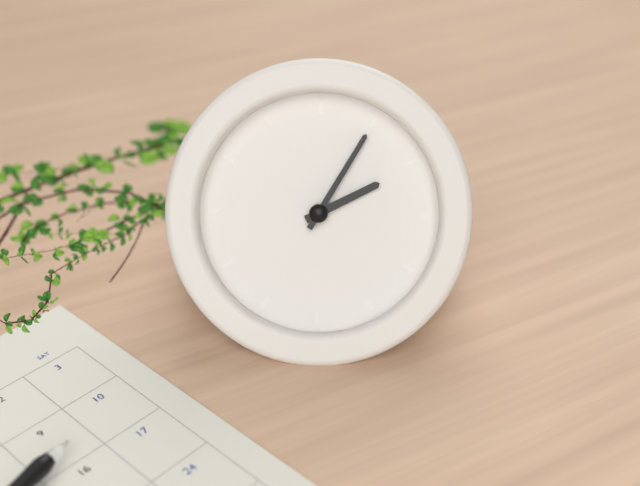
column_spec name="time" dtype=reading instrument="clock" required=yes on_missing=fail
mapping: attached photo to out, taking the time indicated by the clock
2:05
